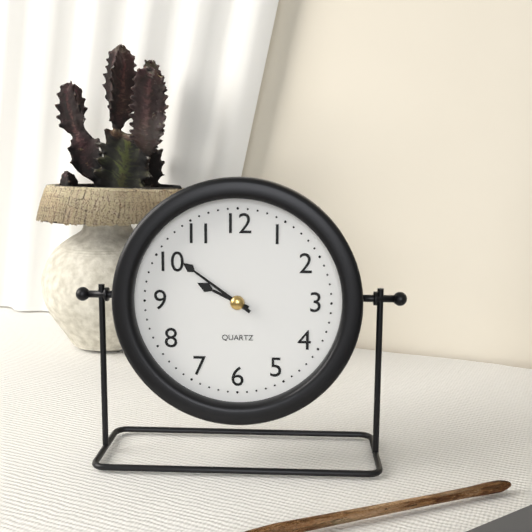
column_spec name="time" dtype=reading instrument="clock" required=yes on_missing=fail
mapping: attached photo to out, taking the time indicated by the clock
9:51
